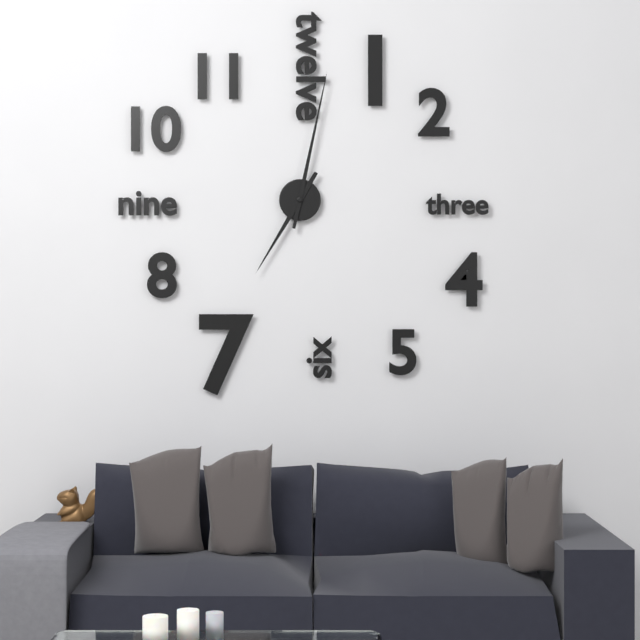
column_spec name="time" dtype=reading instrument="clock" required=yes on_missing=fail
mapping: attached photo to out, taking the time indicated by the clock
7:02
